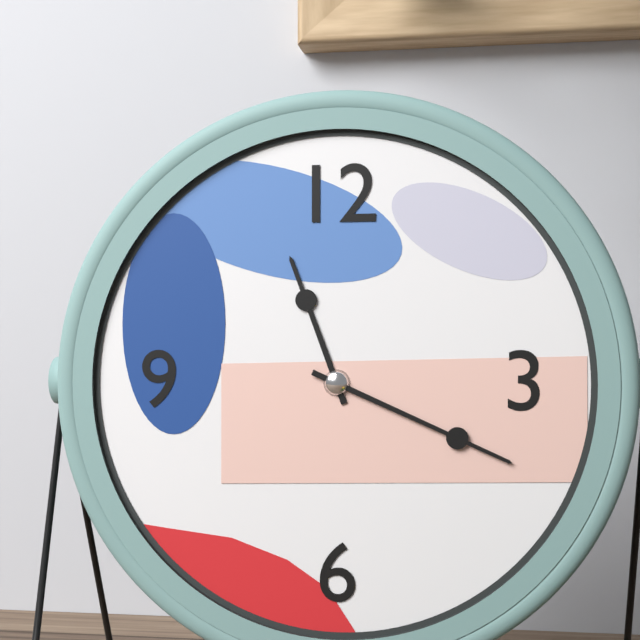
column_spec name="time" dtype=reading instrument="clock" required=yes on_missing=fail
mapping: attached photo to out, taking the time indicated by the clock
11:19
